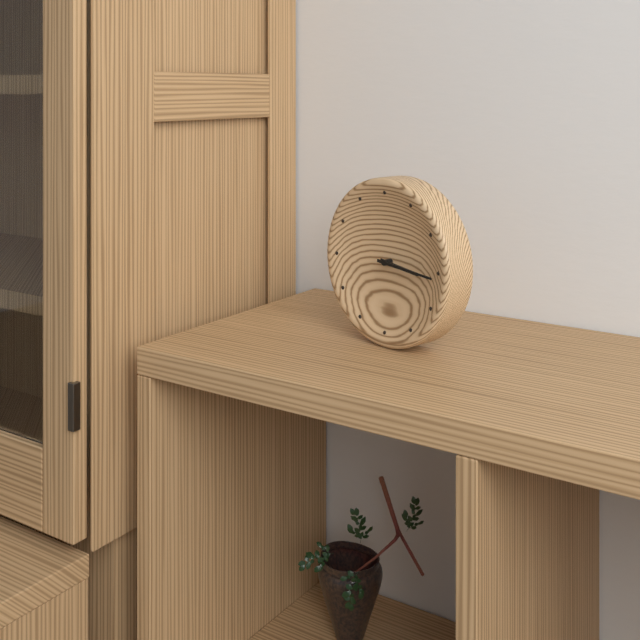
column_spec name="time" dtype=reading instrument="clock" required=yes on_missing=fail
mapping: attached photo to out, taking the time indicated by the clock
3:16
